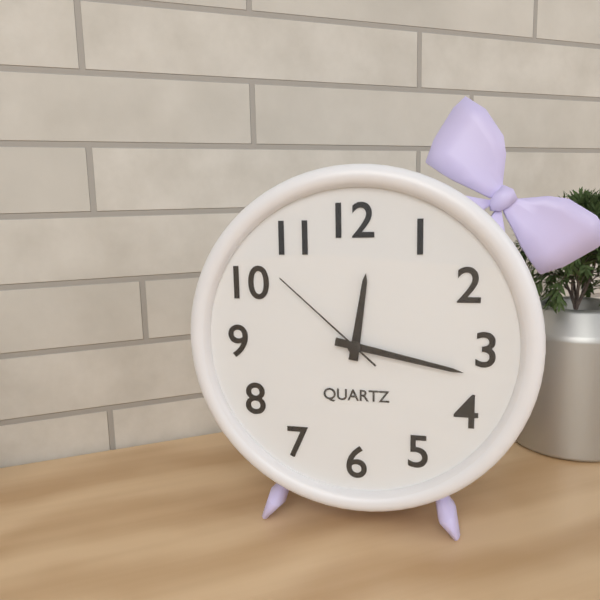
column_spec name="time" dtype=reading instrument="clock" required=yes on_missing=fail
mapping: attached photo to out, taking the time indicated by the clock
12:17:52
